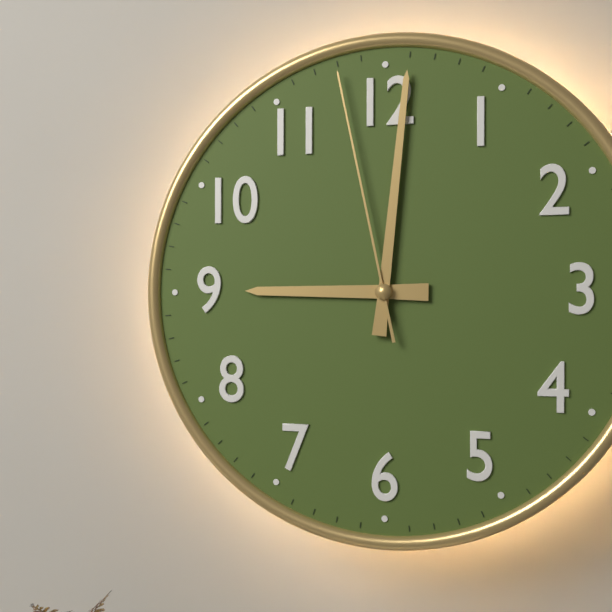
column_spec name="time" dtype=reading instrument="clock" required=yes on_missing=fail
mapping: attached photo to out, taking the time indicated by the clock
9:01:58
